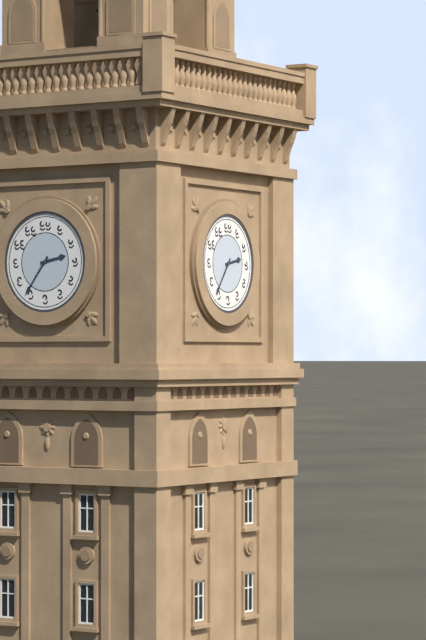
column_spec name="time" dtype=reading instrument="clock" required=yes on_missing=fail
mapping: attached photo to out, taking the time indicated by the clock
2:36
